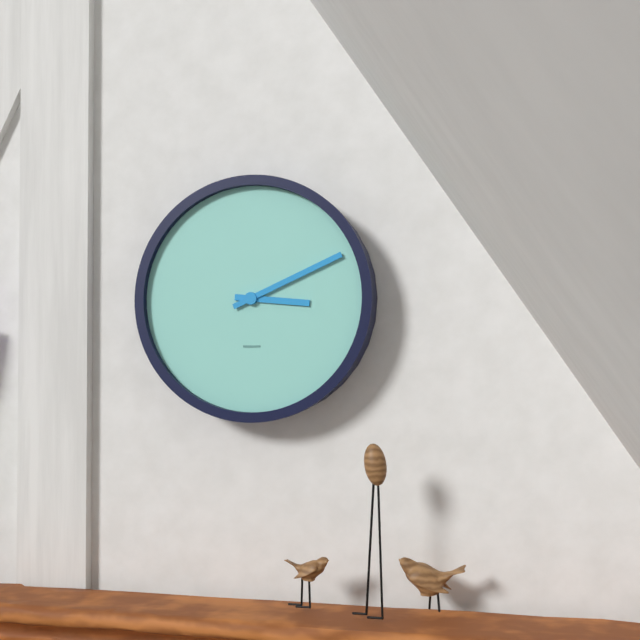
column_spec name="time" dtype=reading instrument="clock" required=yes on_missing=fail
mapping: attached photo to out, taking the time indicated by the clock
3:11
